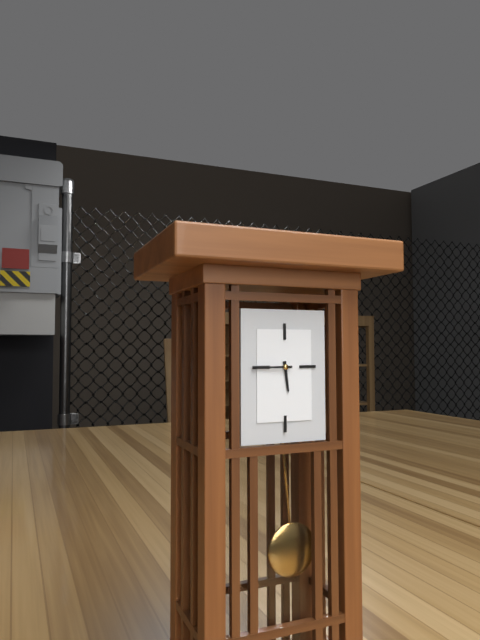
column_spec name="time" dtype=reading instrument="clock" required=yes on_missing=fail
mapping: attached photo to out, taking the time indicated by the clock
5:45
